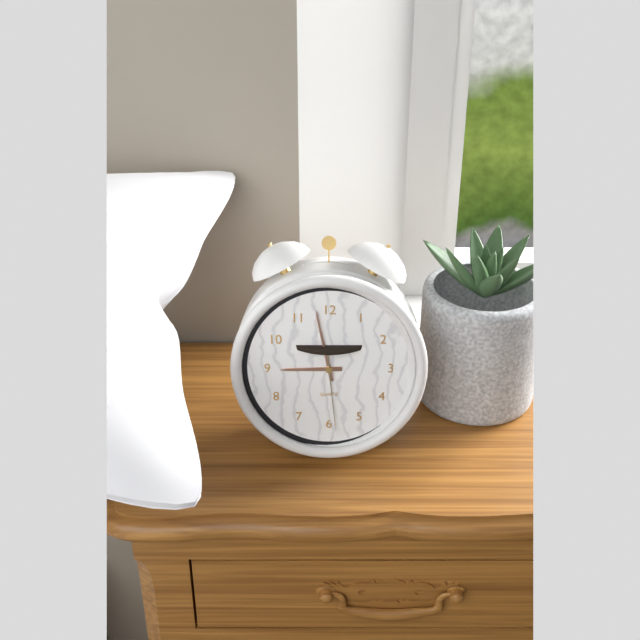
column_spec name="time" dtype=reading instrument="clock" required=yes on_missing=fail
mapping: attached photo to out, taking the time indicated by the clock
8:58:29
